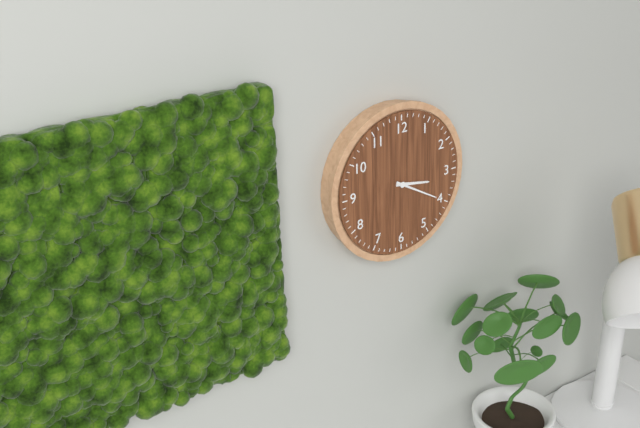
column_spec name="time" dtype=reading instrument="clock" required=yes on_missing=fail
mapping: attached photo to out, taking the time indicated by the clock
3:20
